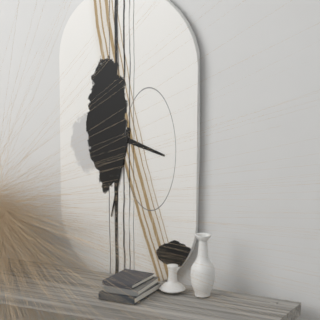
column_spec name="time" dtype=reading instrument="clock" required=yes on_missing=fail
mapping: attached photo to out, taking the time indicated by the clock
3:32
